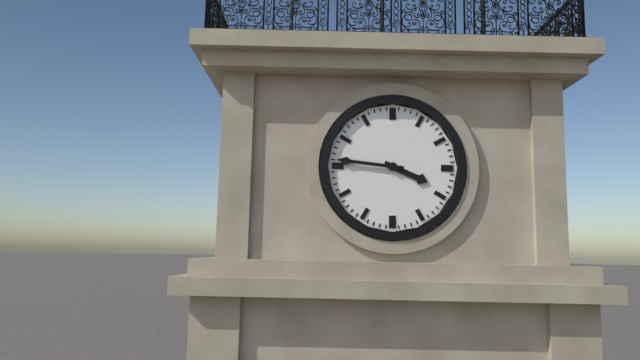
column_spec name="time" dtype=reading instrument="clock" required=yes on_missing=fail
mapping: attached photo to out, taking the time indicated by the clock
3:46
